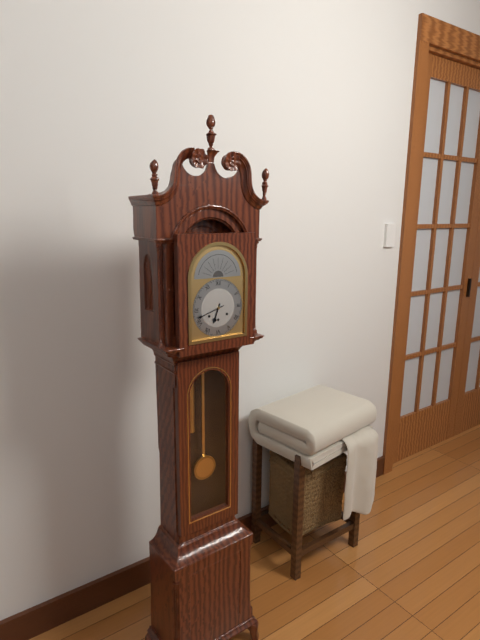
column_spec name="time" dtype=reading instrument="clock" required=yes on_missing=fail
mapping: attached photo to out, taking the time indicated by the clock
6:42
